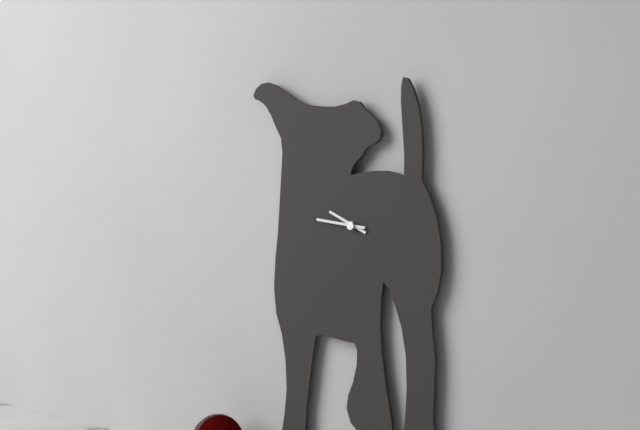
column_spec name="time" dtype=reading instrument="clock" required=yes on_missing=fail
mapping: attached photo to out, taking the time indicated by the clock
9:46
